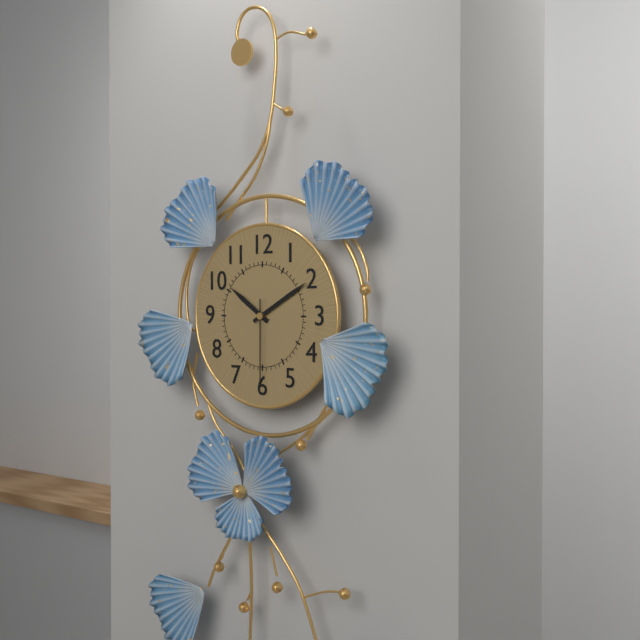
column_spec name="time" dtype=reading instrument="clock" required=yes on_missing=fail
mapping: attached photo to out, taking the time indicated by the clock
10:10:30
